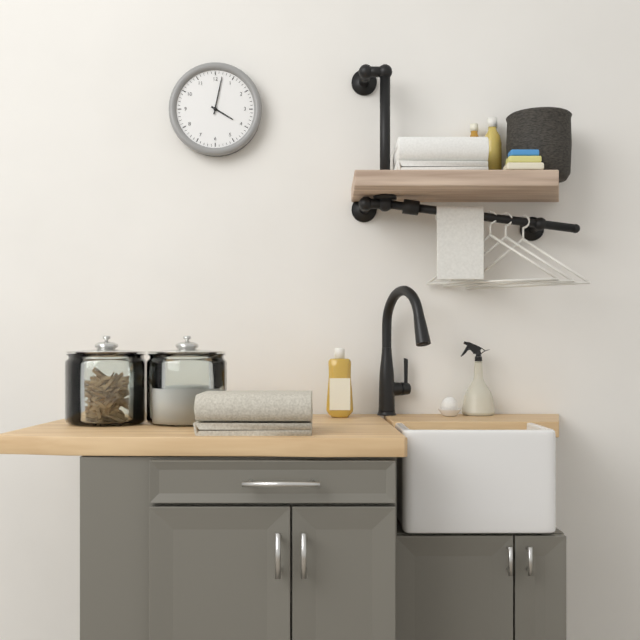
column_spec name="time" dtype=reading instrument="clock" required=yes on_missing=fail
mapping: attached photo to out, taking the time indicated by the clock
4:02
